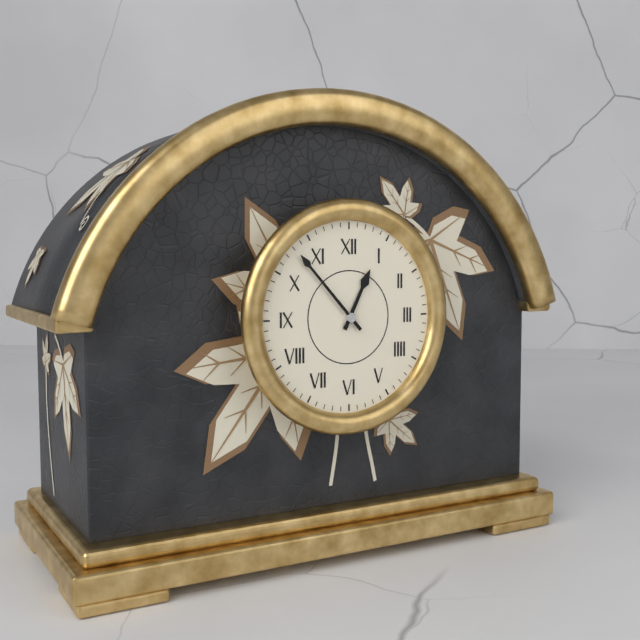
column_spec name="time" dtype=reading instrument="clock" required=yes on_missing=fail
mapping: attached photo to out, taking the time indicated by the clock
12:53
